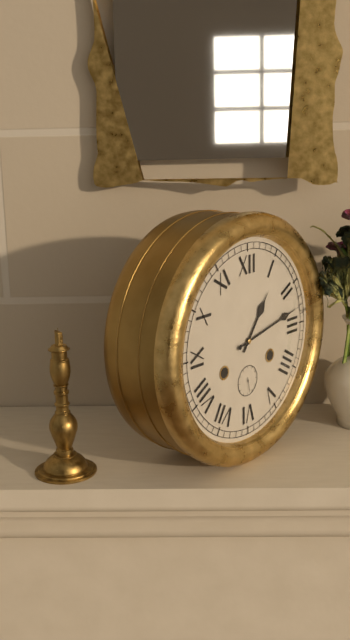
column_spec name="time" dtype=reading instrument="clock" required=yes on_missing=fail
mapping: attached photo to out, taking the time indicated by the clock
1:13
